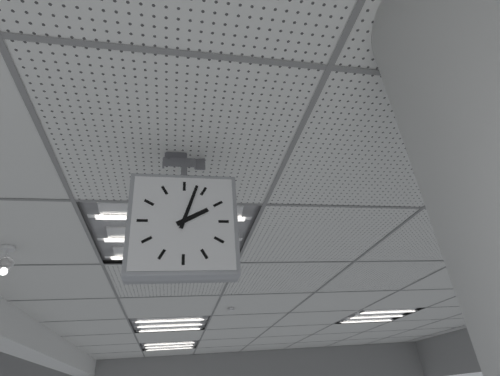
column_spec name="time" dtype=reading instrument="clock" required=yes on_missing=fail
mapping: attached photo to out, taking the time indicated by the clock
2:03
